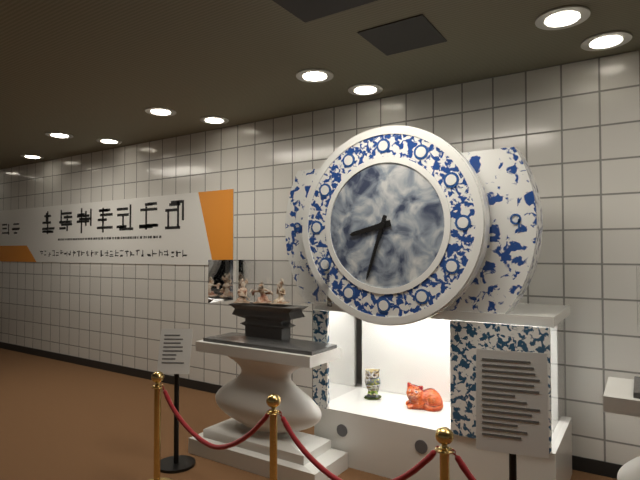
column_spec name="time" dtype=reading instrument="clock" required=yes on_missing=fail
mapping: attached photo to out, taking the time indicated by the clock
8:33
